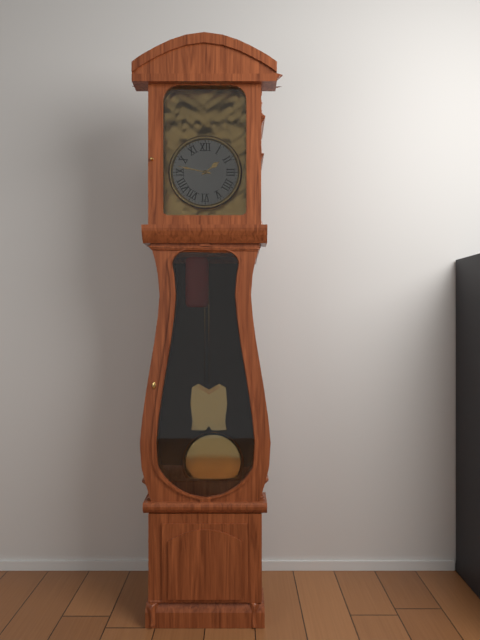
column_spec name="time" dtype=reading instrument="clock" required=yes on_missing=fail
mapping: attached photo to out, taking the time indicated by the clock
1:47
